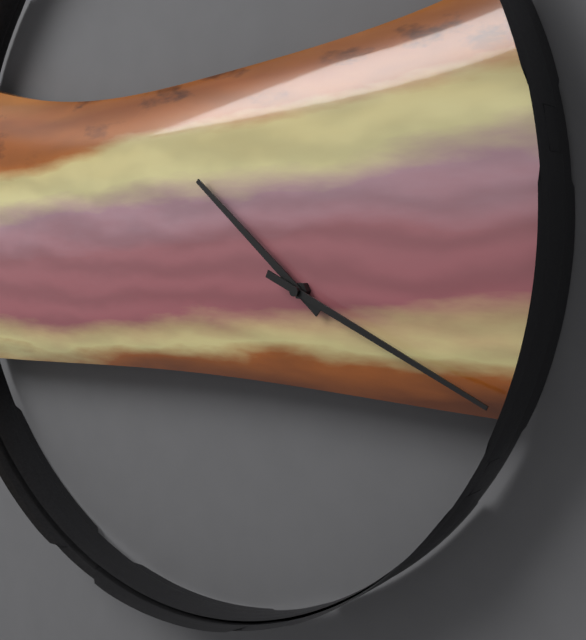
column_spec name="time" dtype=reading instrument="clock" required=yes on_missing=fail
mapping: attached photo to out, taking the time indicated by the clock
10:19
